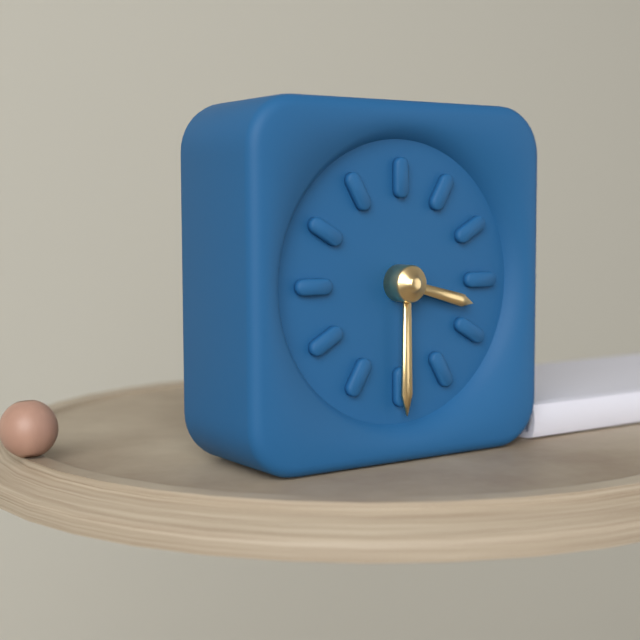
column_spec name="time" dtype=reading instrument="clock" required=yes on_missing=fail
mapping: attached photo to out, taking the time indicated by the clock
3:30
